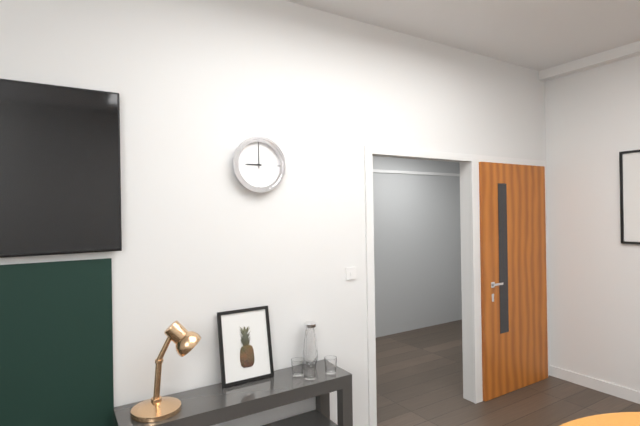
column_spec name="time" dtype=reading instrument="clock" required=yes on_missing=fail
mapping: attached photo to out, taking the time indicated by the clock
9:00
